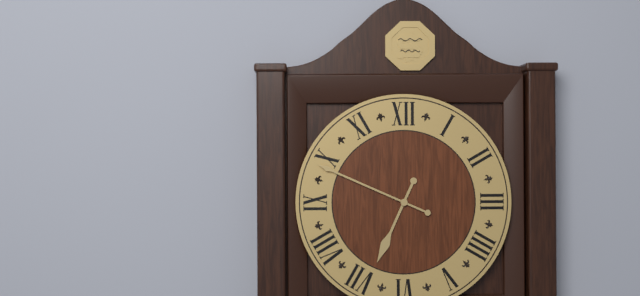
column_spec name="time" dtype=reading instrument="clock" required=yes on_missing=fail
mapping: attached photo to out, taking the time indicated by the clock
6:49
